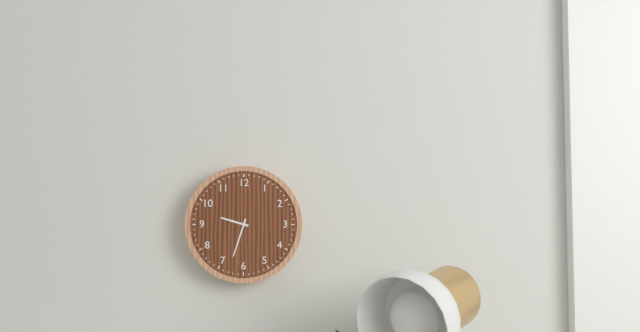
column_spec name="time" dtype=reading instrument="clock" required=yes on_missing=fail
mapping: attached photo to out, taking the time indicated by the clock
9:33
